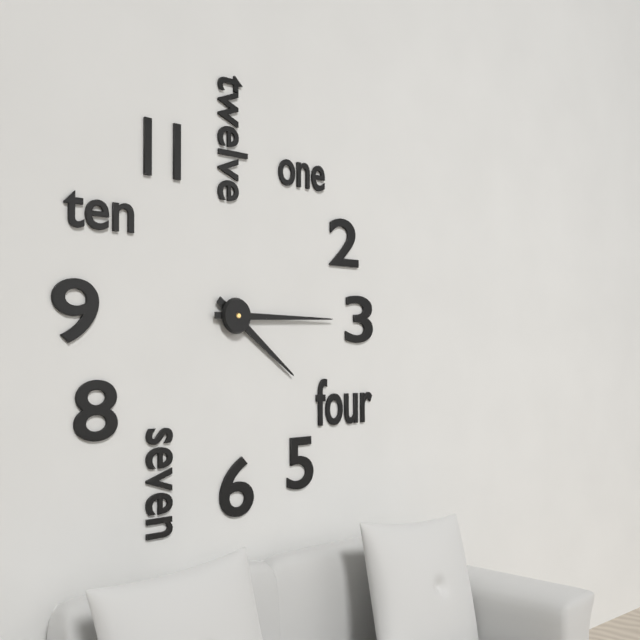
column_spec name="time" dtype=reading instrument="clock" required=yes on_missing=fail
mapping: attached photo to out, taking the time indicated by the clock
4:15
